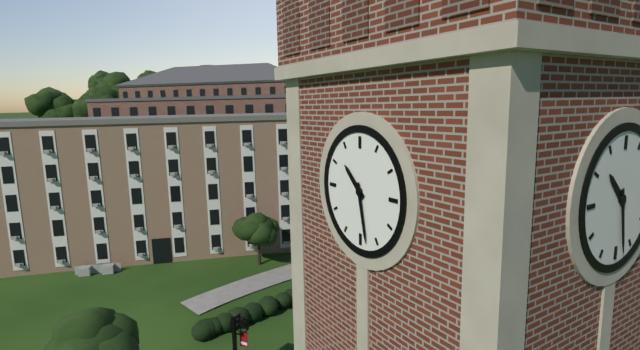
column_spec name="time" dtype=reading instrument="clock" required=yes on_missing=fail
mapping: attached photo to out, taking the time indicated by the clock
10:28
